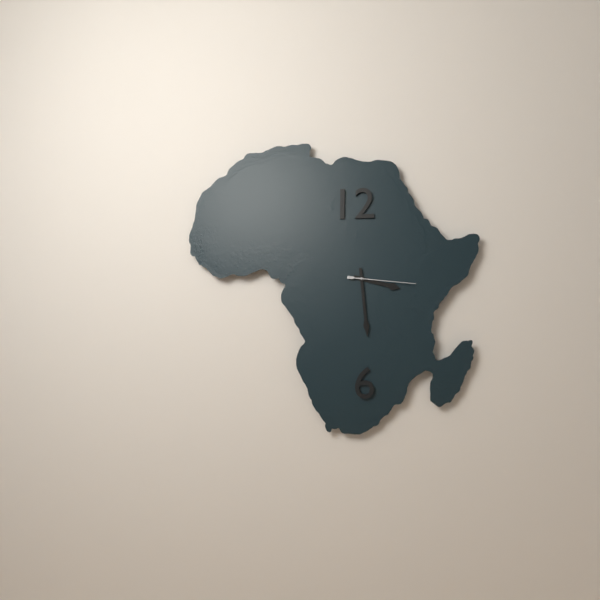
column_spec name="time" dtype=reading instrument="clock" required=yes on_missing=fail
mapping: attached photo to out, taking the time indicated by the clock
3:29:16
